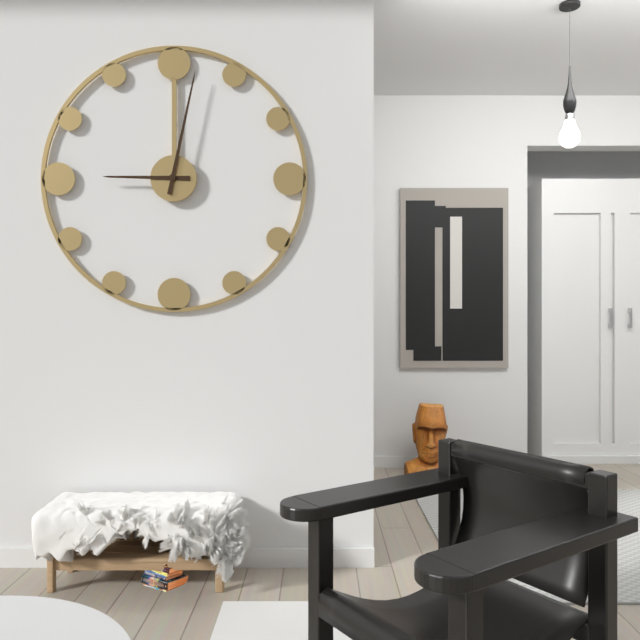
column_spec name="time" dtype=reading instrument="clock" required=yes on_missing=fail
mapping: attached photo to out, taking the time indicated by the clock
9:02
